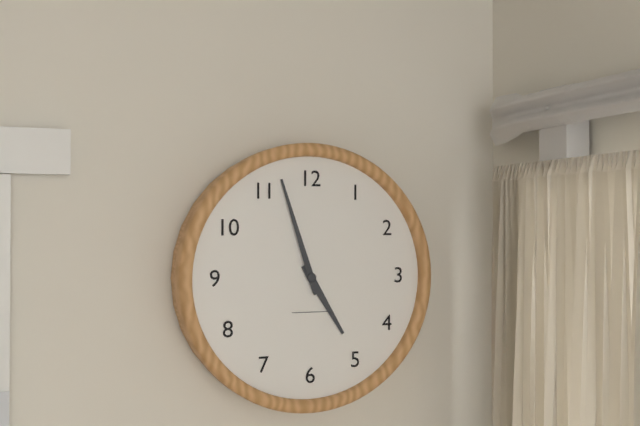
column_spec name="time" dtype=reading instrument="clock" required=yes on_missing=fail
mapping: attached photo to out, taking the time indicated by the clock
4:57
